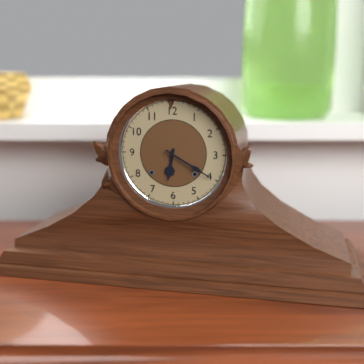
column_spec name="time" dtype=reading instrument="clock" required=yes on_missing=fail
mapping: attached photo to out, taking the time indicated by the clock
6:20
